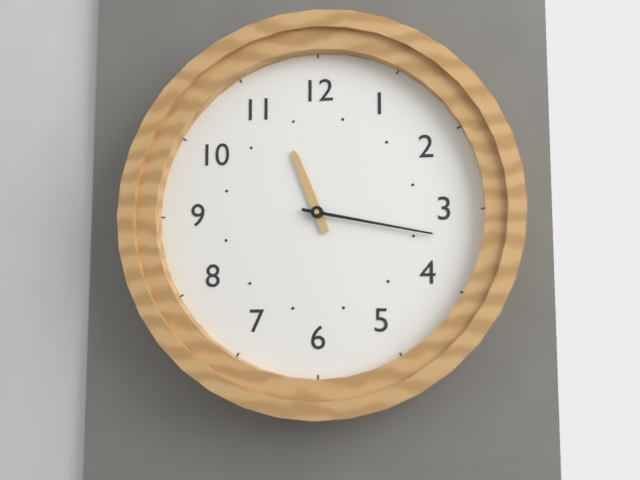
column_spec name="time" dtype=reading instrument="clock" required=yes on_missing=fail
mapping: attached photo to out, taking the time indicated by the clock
11:17
